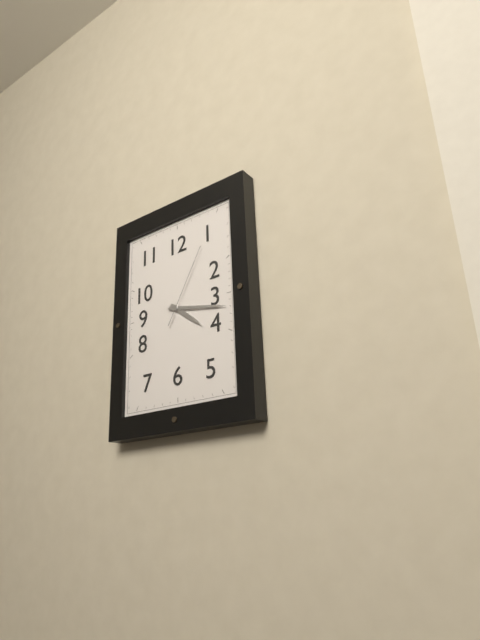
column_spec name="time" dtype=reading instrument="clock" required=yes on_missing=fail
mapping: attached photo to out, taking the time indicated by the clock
4:17:05
